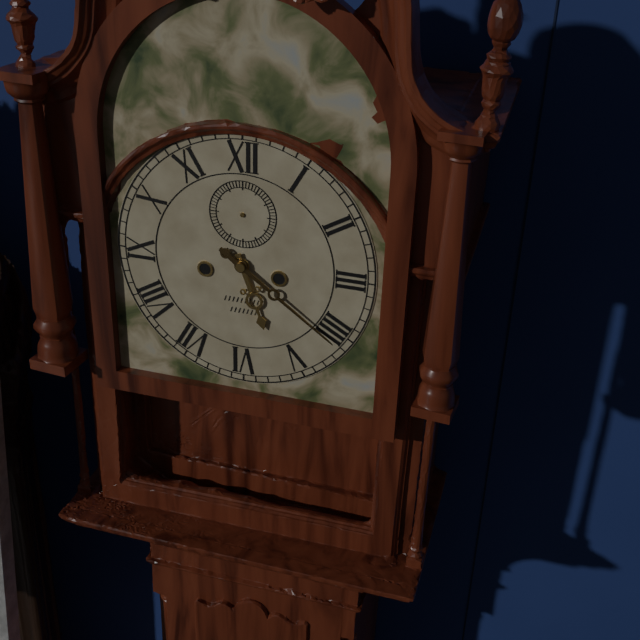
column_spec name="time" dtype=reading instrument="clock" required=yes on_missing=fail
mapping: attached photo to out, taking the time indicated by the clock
5:21
